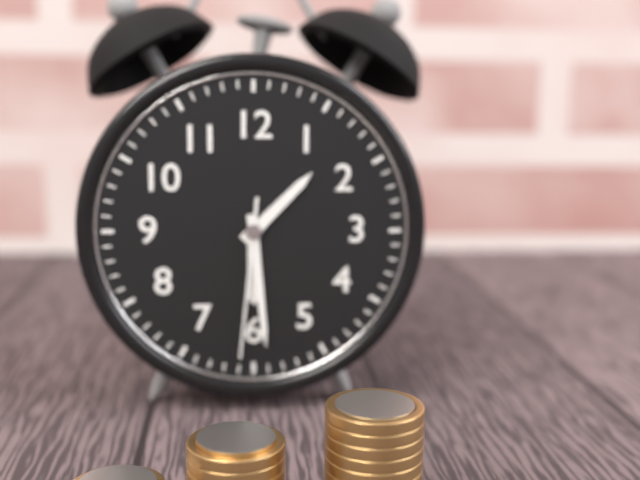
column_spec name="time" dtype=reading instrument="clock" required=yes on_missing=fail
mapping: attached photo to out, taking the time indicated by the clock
1:29:31
